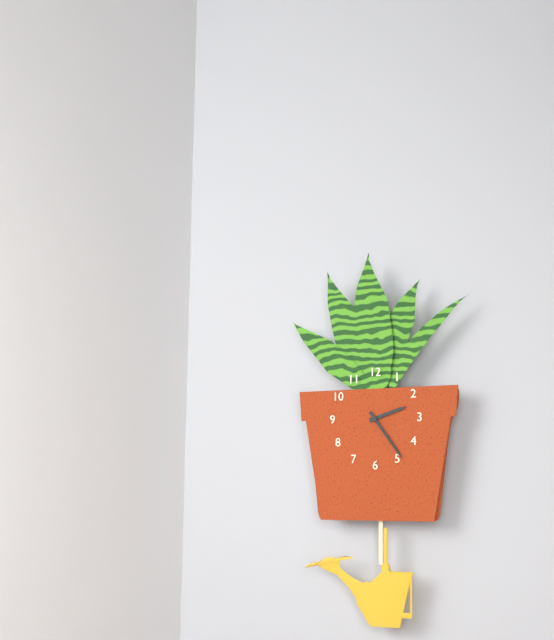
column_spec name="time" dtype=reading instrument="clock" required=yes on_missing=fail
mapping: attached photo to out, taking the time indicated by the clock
2:24
